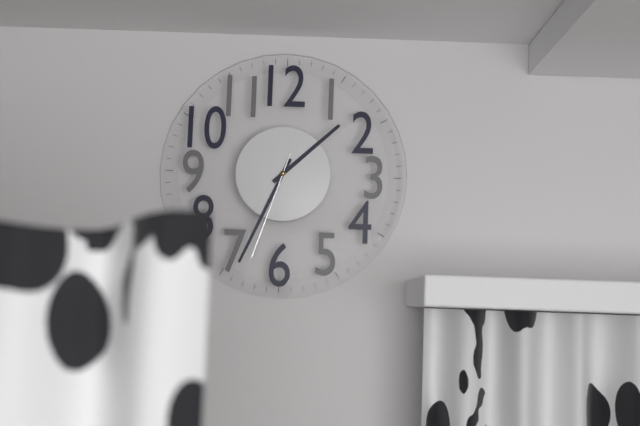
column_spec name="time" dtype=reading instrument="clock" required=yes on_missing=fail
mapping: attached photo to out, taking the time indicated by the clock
1:34:33
